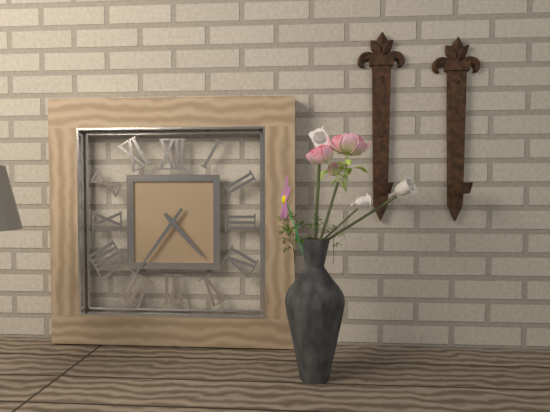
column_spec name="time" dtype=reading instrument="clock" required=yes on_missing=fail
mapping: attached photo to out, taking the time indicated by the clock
4:36
